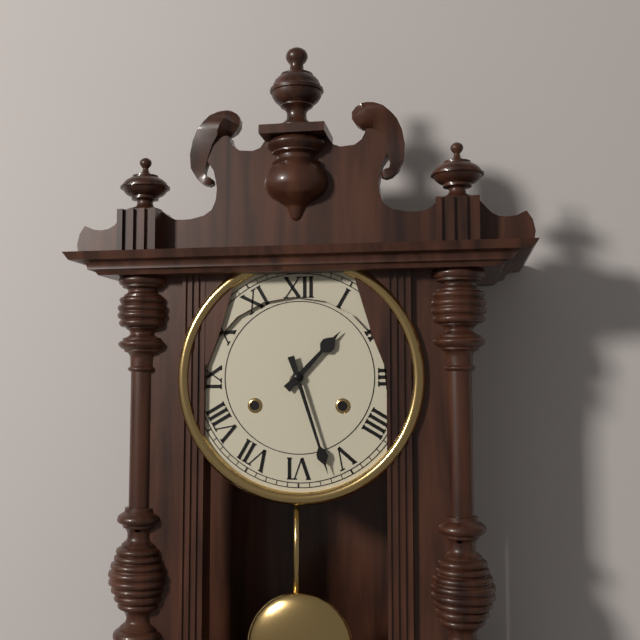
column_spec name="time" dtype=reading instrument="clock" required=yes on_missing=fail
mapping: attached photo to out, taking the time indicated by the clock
1:27
